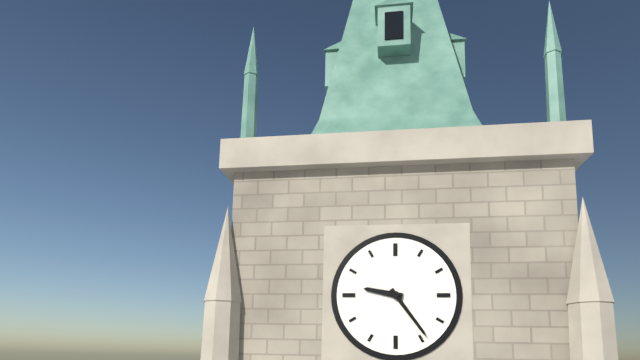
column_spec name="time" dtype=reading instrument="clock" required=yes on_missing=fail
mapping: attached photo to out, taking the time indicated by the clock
9:24
